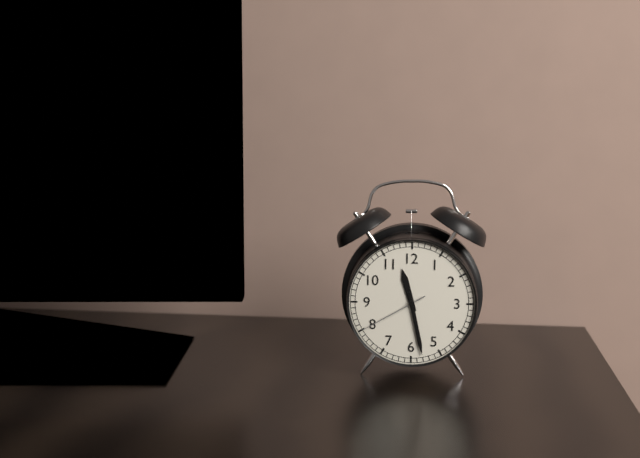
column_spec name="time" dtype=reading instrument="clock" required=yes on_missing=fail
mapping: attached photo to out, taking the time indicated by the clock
11:28:40
